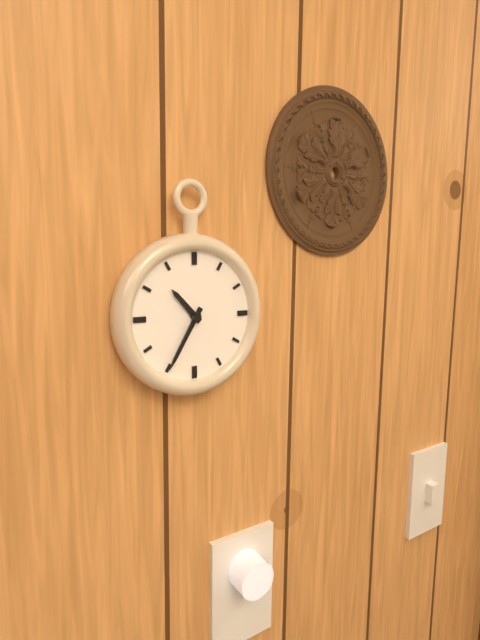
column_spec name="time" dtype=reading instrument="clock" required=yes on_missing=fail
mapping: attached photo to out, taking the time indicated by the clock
10:35
